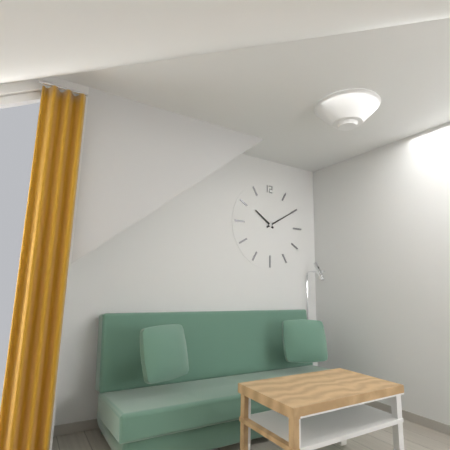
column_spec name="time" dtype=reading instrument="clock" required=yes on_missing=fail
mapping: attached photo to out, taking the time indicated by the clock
10:10
